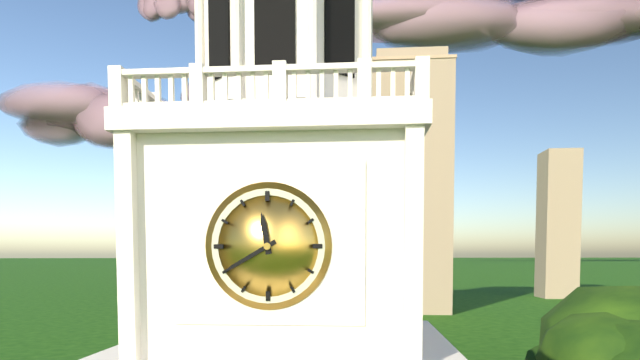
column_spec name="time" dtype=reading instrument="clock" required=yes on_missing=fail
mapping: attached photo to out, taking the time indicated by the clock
11:40
